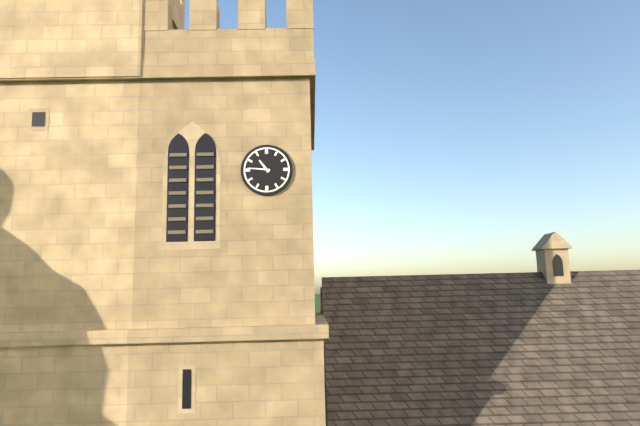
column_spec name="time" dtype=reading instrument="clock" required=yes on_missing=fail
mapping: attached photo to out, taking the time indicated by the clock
10:46
